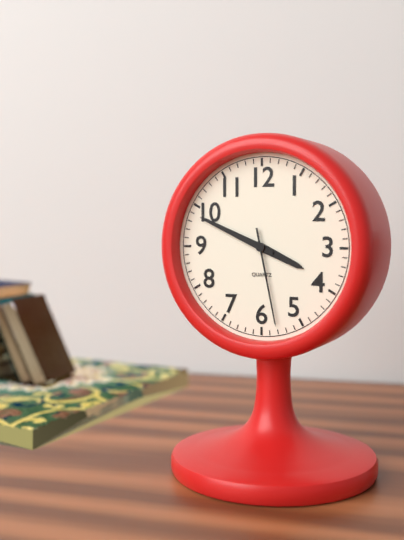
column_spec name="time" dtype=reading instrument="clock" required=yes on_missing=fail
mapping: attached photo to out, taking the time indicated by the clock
3:49:28
